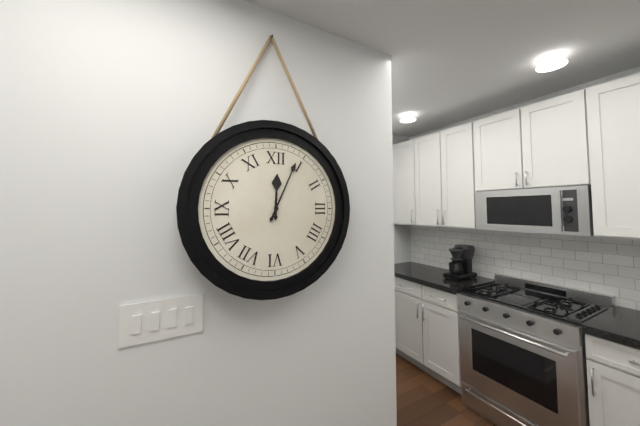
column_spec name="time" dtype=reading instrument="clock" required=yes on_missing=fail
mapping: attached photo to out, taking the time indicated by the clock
12:04
